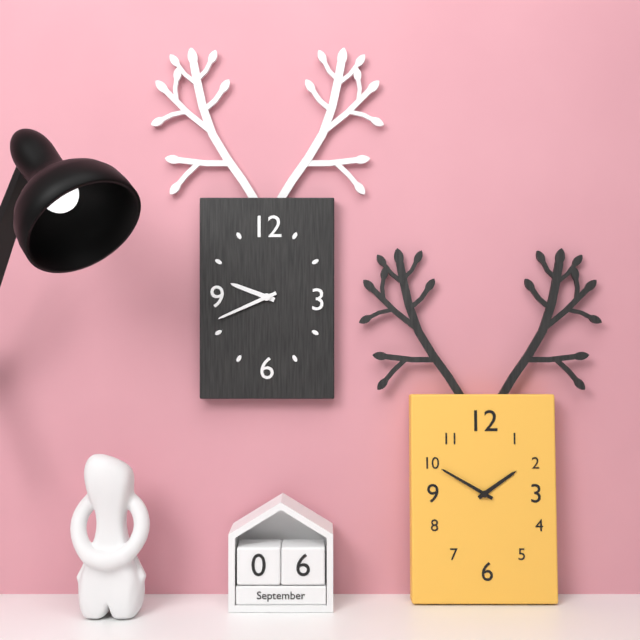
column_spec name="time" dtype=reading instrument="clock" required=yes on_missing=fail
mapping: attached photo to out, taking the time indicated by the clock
9:41
